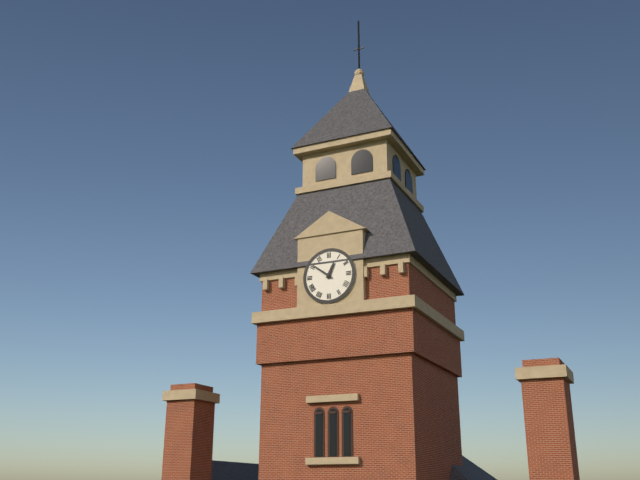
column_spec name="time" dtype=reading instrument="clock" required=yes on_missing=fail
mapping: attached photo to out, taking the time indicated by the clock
12:51
